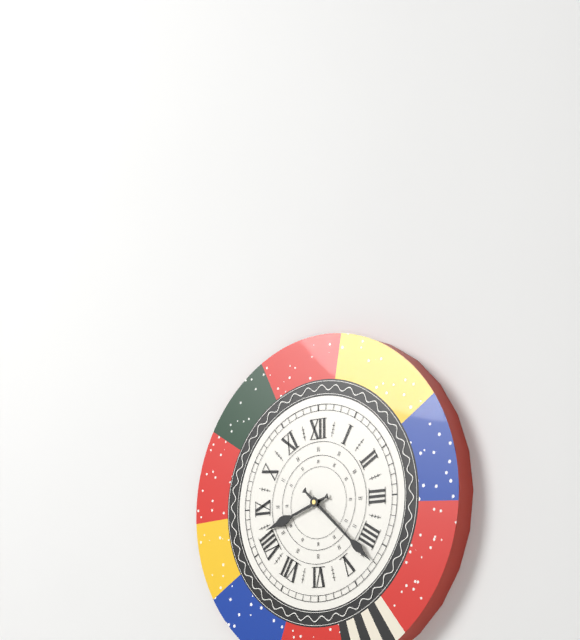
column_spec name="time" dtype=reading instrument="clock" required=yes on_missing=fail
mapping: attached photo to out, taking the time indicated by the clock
8:22
